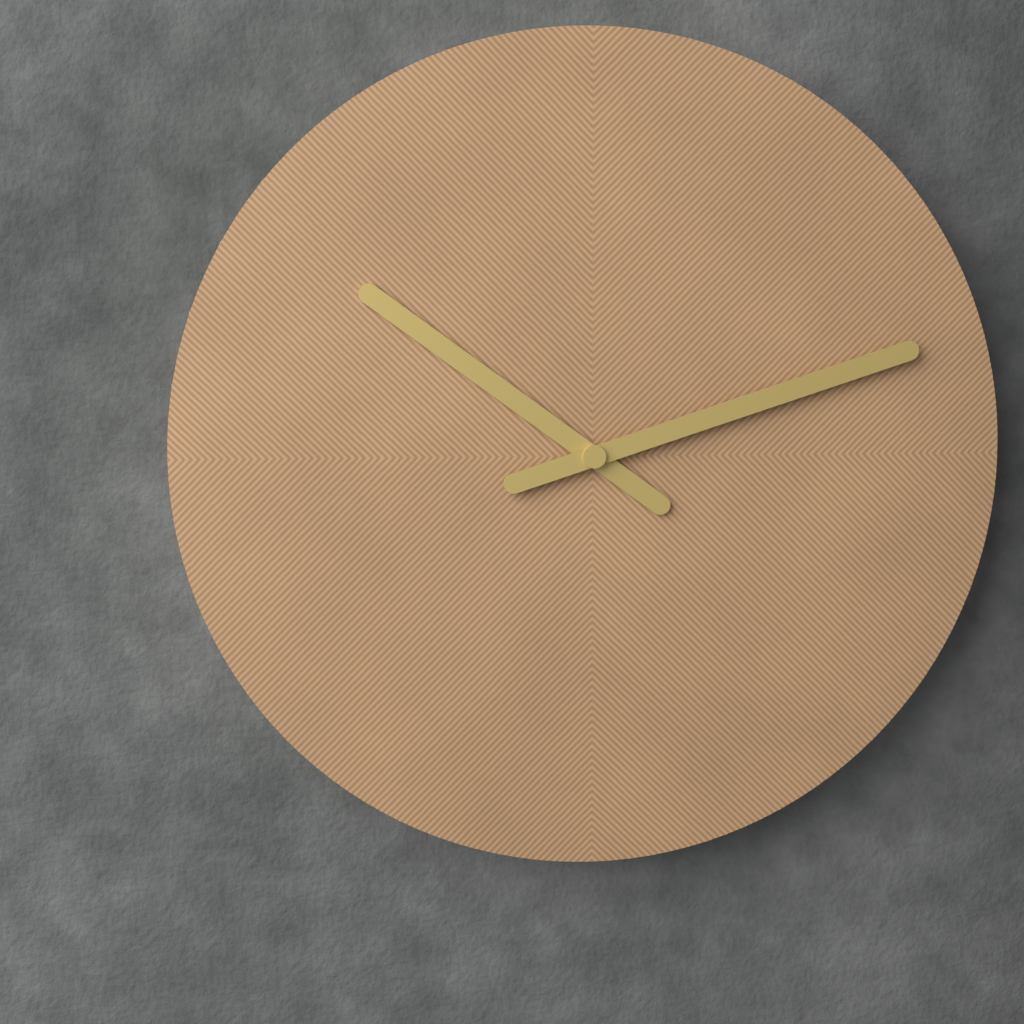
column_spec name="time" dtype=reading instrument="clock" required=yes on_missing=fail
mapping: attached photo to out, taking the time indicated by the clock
10:12
